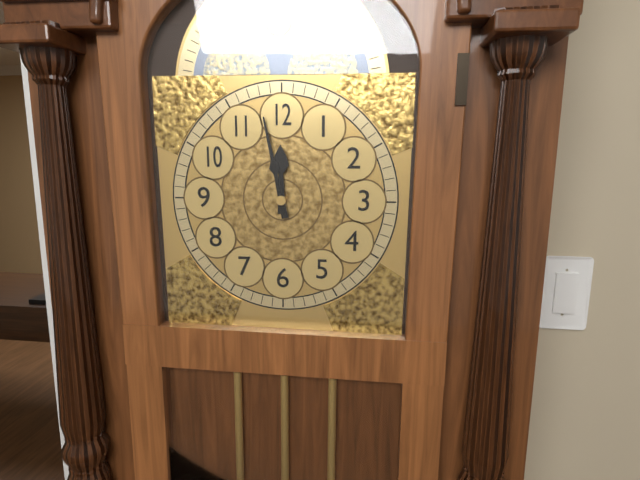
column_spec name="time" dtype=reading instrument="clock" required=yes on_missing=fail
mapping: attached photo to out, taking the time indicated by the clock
11:58
